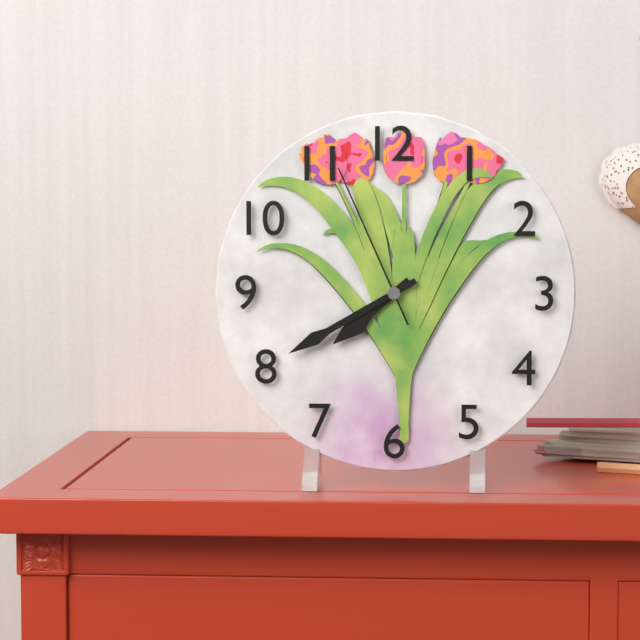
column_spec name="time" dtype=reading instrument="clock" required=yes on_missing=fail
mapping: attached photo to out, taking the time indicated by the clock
7:40:56
